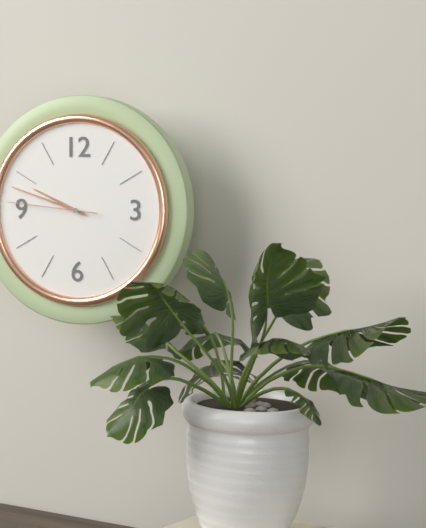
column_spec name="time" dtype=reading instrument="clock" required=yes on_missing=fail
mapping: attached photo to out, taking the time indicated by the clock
9:48:46
